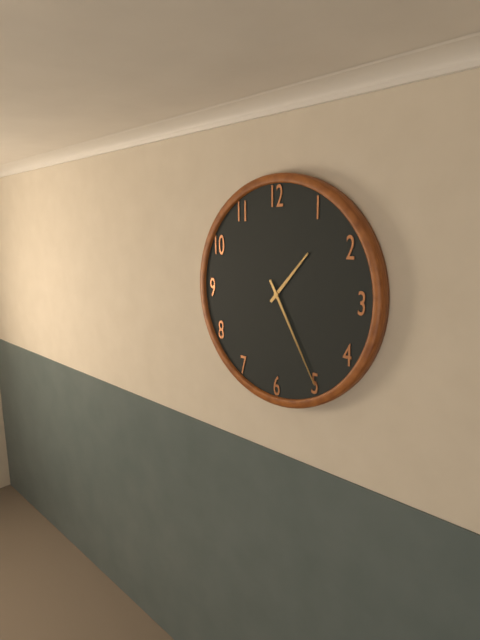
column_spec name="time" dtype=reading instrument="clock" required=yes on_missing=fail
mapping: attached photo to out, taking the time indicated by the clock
1:25
